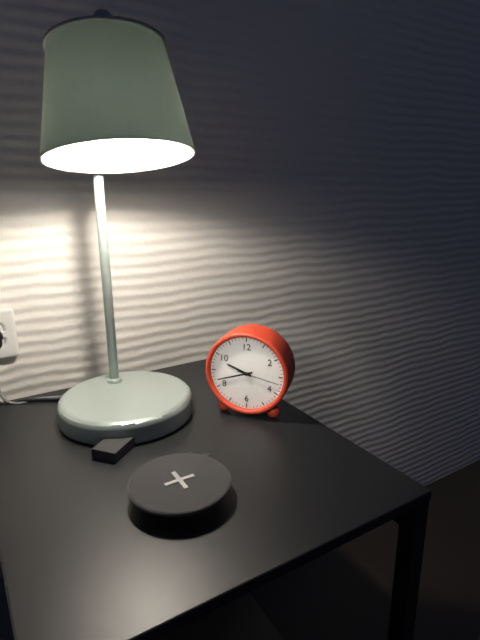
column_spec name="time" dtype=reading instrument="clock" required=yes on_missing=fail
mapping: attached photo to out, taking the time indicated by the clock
9:42
